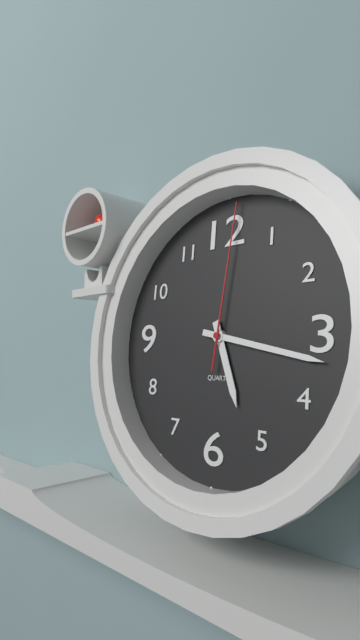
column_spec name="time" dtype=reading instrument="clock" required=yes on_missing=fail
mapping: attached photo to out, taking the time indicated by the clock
5:17:01
